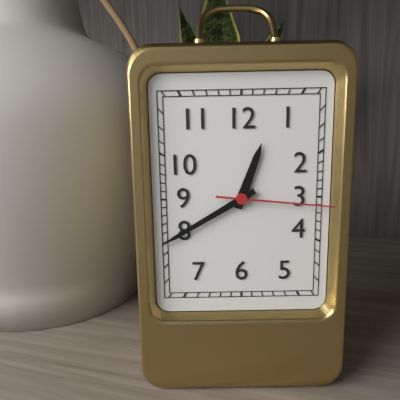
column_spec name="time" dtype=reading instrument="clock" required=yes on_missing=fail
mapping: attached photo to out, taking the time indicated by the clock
12:40:16
